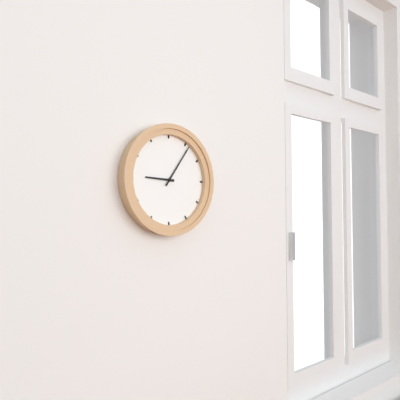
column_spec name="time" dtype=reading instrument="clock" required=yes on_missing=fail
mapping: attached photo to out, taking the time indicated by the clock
9:06
